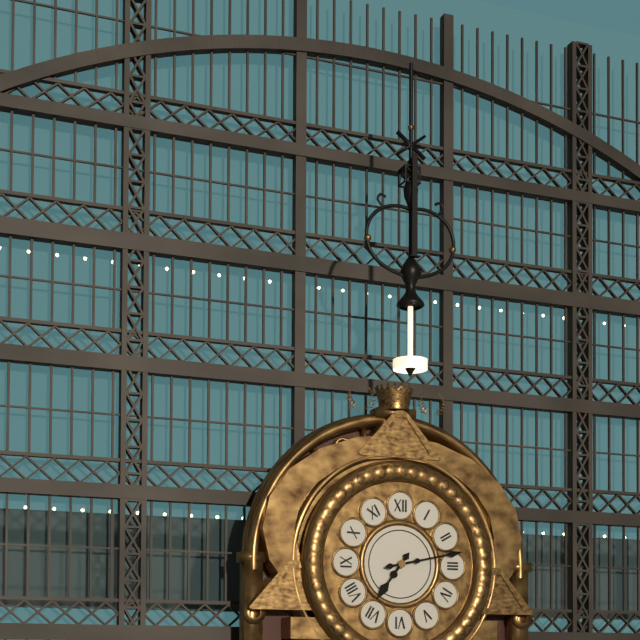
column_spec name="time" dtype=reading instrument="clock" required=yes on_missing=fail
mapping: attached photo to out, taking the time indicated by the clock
7:13
